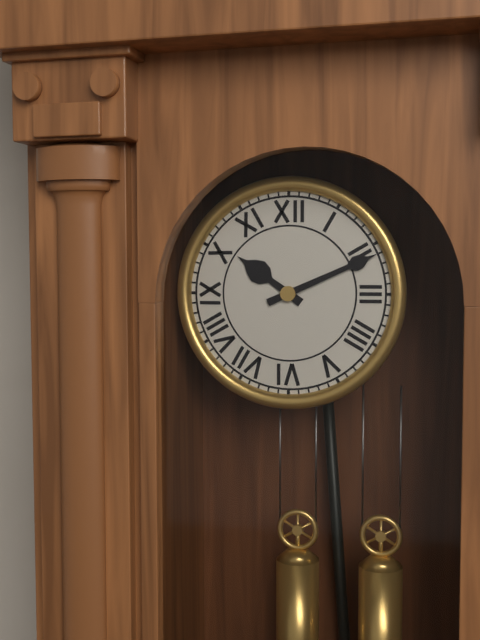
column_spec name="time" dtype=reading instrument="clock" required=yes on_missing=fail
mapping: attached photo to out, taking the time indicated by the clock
10:11
